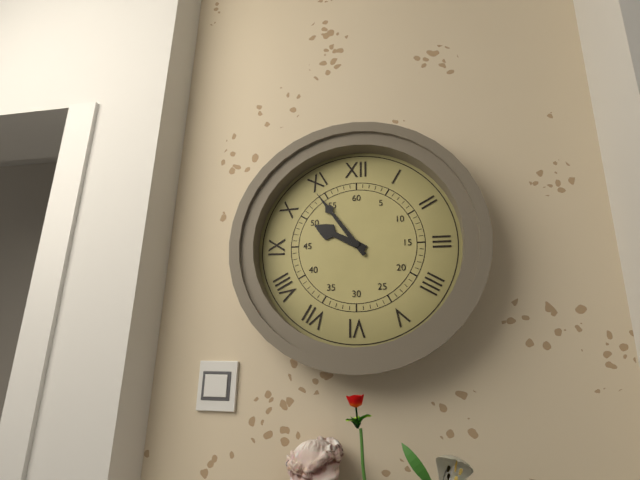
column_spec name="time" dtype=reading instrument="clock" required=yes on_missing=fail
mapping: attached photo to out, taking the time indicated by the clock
9:54
